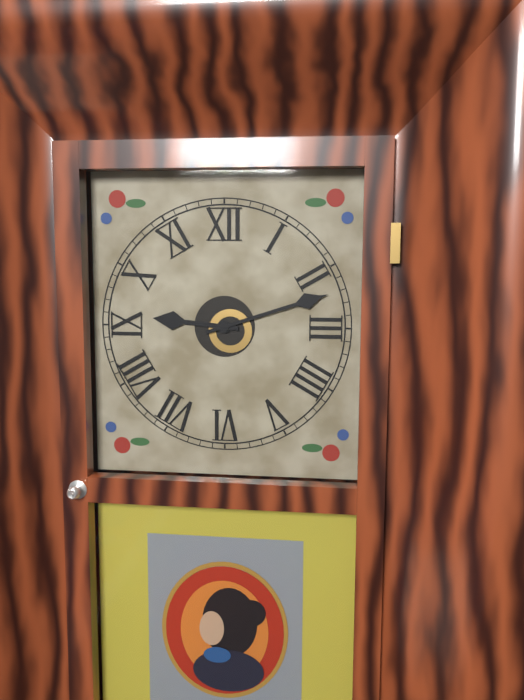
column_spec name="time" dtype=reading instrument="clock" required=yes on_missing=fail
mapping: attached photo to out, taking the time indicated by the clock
9:12
